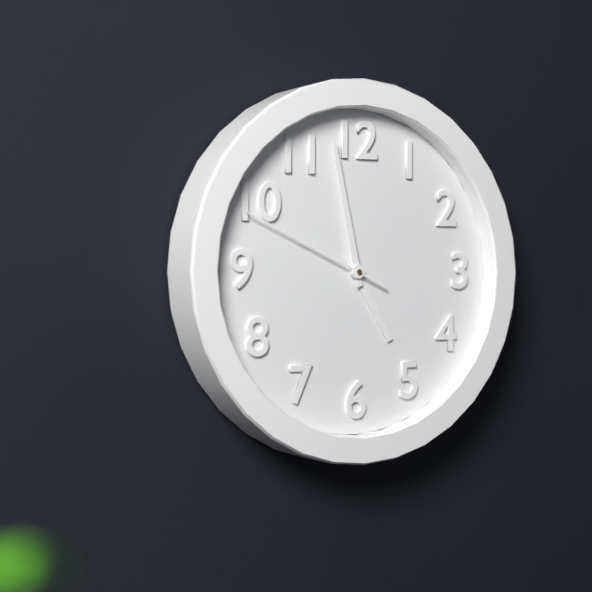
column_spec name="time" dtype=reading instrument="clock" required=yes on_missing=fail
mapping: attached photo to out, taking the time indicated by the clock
4:58:49
